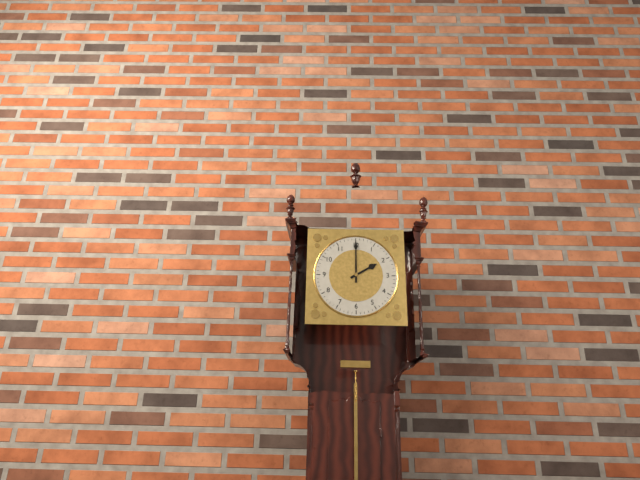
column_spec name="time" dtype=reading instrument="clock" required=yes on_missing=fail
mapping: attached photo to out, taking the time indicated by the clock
2:00
